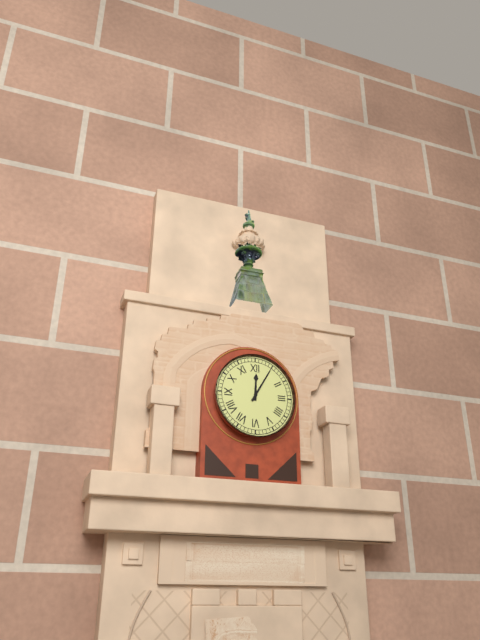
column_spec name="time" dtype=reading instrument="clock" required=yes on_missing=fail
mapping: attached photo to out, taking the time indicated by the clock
12:05
